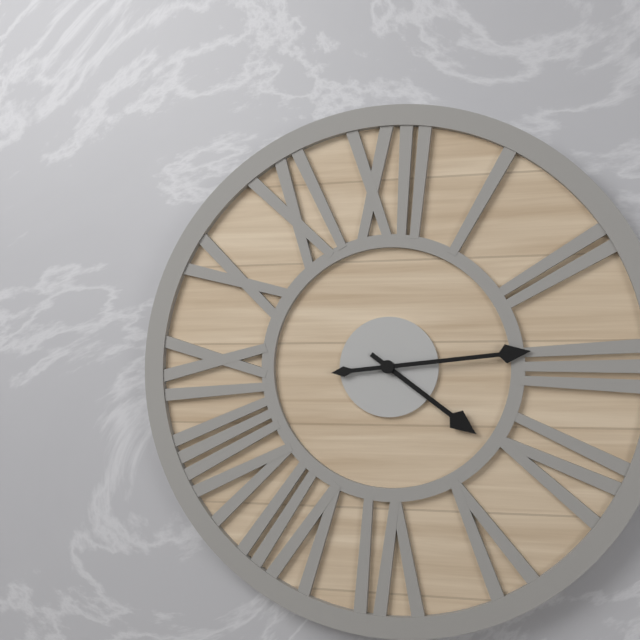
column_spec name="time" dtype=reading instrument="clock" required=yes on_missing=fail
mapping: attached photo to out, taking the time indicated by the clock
4:14
